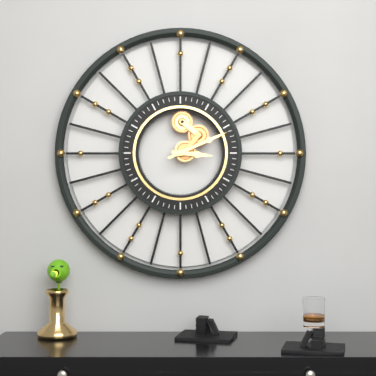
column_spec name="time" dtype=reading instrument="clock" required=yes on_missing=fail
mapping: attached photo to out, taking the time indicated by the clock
3:11
